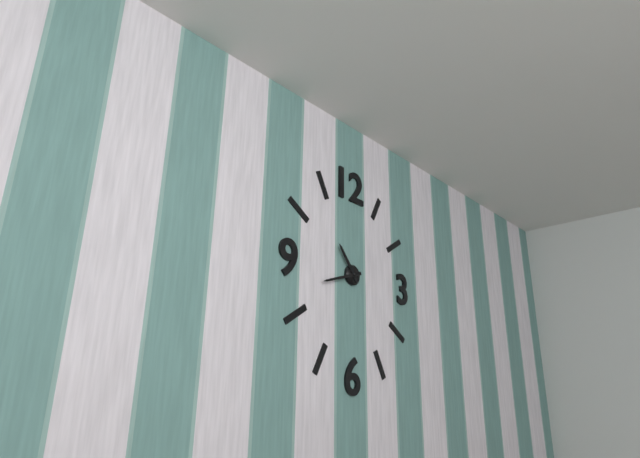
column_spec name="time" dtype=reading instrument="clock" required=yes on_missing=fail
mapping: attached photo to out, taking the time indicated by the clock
10:42
